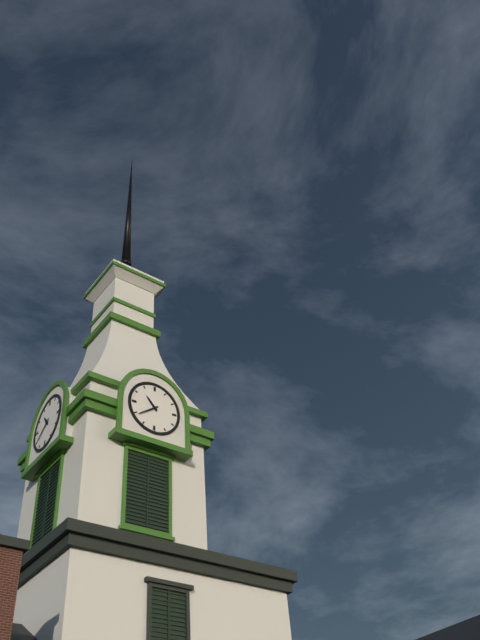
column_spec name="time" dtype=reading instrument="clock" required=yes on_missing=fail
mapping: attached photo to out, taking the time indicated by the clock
10:39
